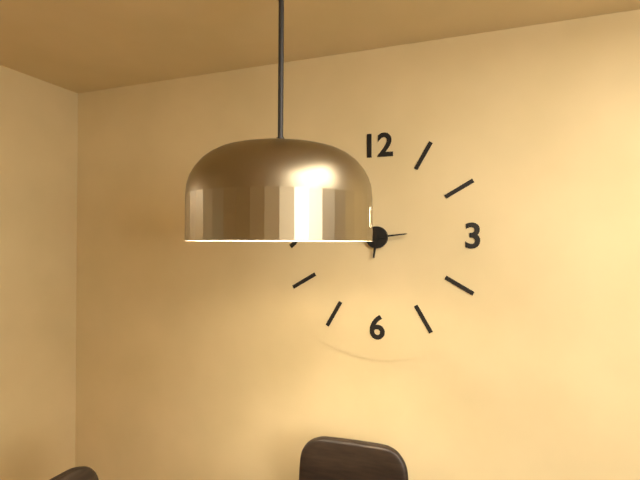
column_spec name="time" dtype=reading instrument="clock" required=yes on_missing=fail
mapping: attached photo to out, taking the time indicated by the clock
6:14
